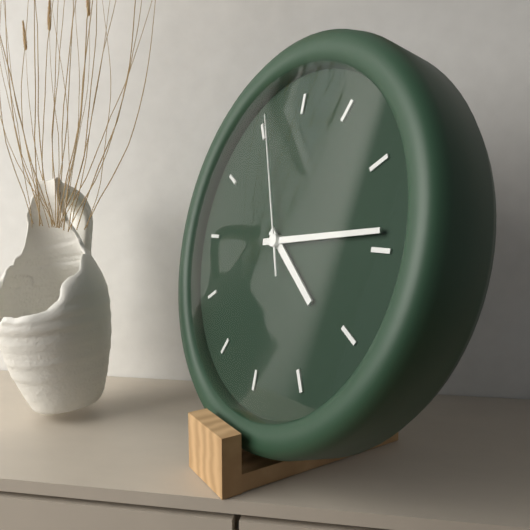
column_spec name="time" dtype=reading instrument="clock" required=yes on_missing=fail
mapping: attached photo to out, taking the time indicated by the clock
4:14:56
